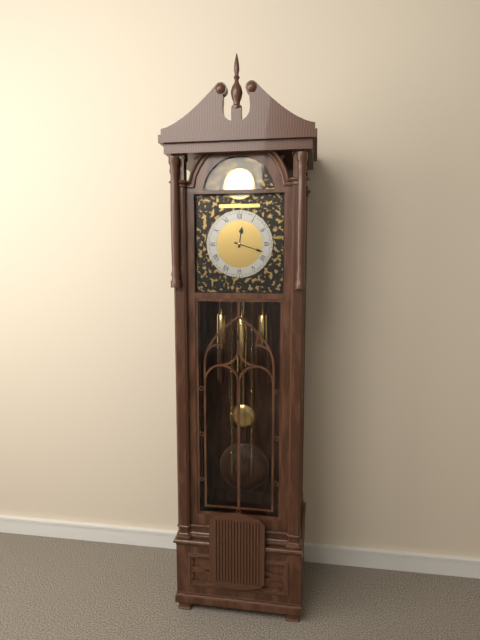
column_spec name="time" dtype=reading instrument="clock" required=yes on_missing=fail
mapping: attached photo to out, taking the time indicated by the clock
12:18
